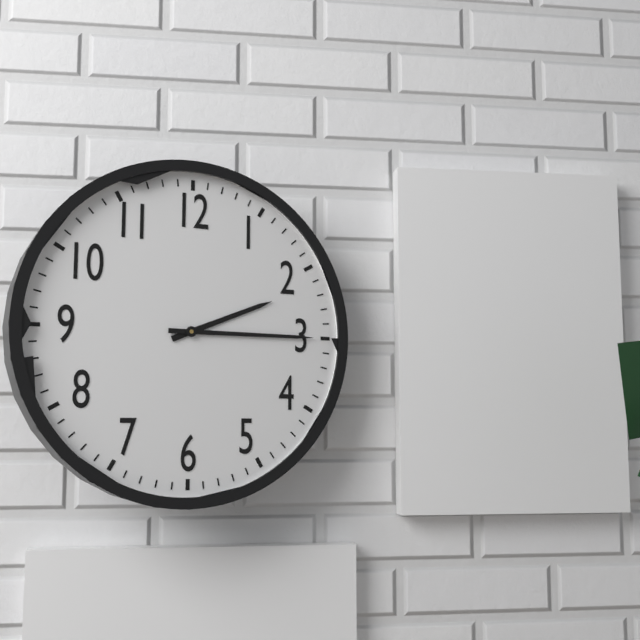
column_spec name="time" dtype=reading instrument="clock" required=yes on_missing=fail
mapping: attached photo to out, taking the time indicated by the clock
2:15
